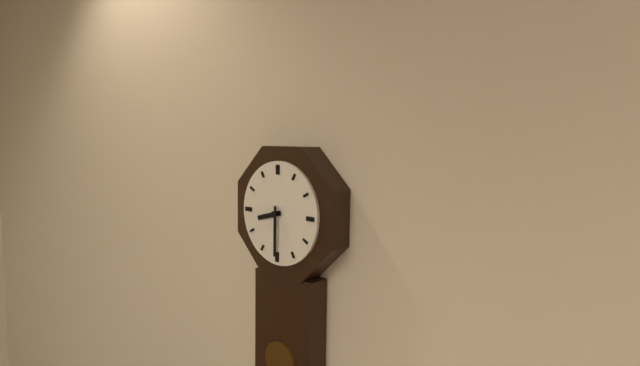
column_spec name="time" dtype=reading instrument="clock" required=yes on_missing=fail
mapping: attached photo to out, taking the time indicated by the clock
8:30
